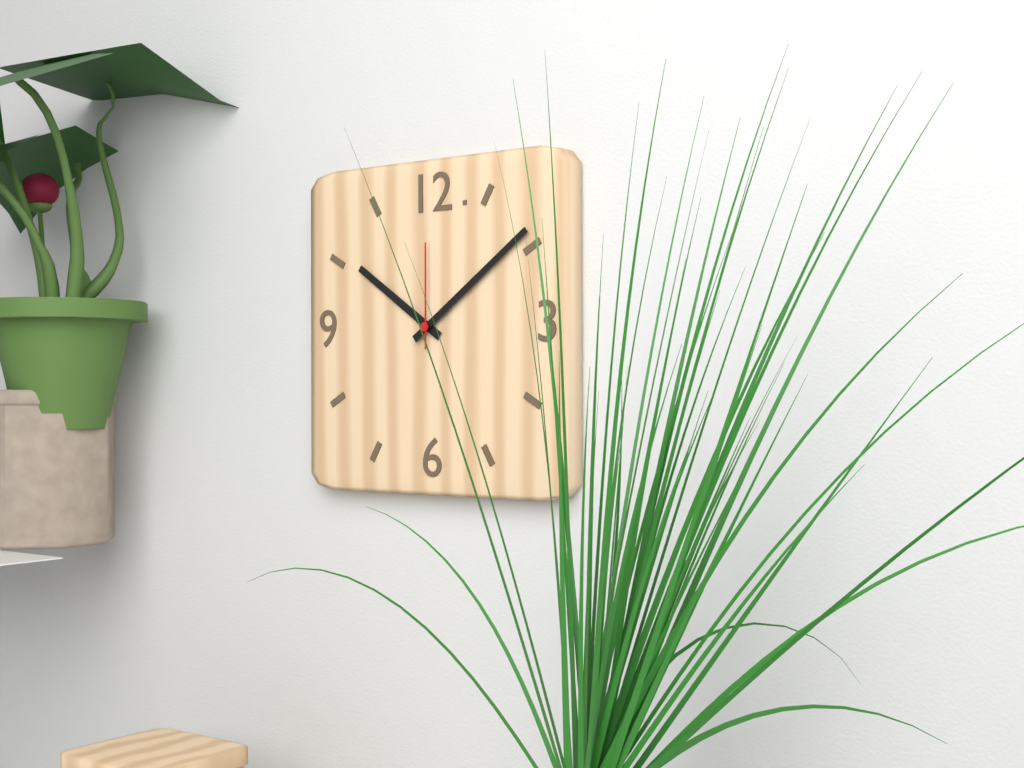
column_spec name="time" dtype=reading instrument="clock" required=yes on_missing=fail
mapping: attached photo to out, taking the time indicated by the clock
10:09:00
